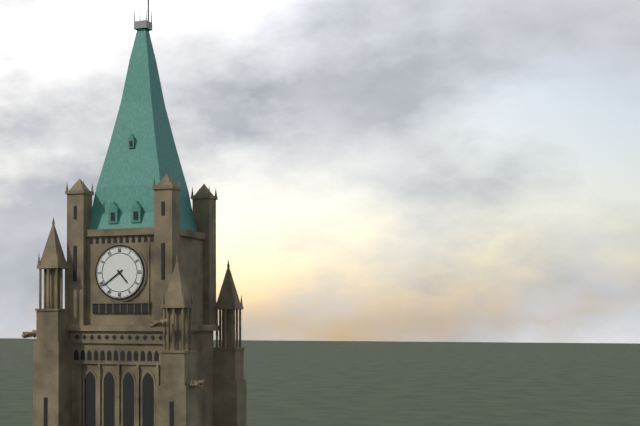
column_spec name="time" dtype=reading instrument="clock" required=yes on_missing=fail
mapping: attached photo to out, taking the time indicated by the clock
4:39
